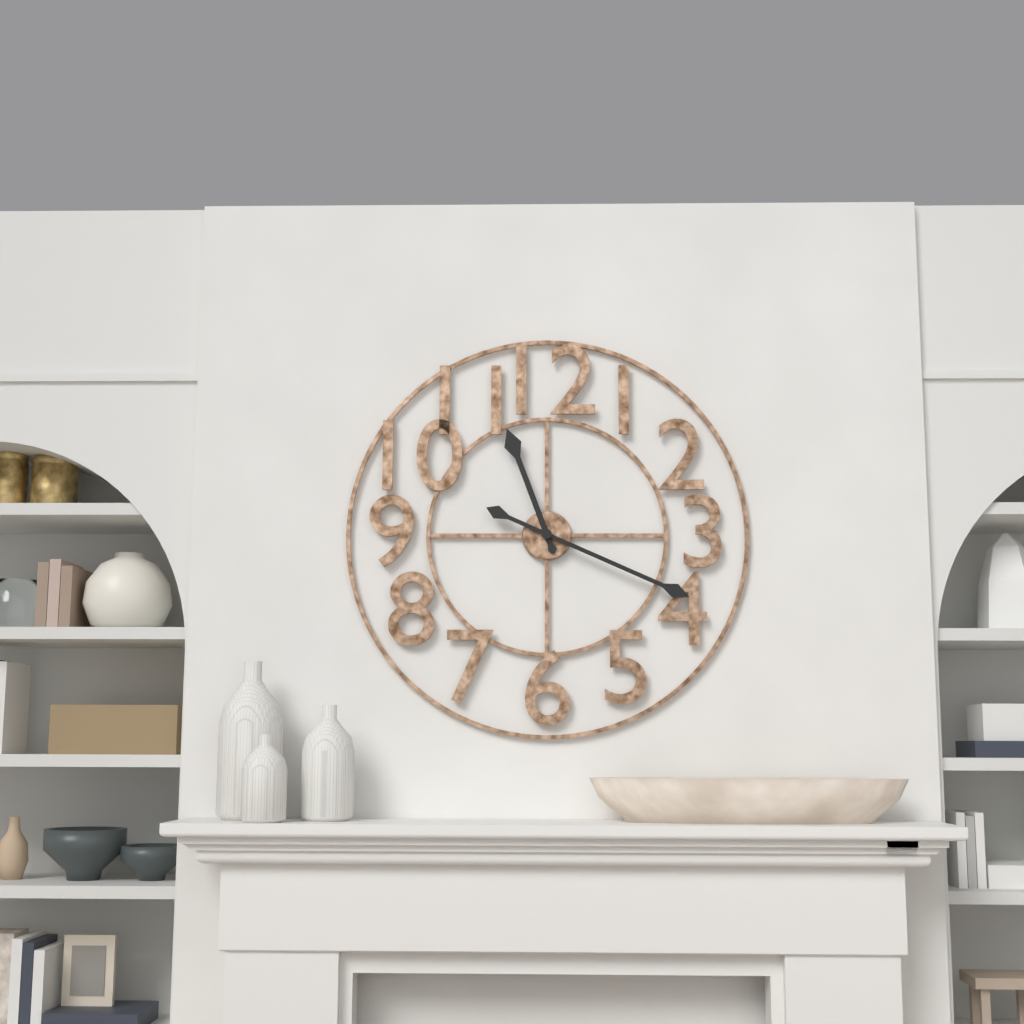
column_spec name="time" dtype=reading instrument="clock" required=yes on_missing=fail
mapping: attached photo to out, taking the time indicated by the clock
11:19
